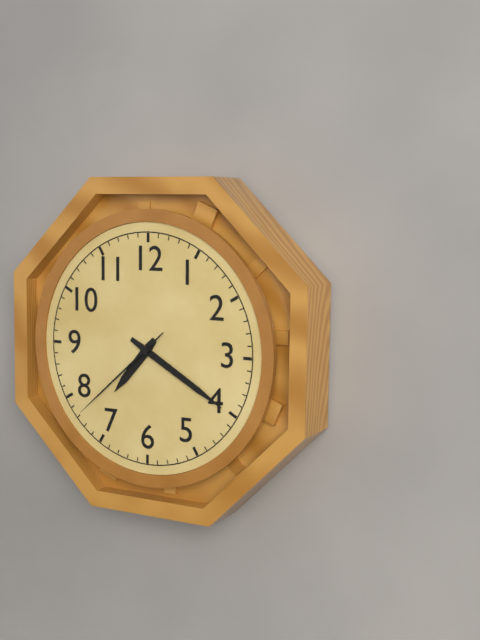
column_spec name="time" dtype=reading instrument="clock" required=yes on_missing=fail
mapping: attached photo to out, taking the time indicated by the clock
7:20:38
